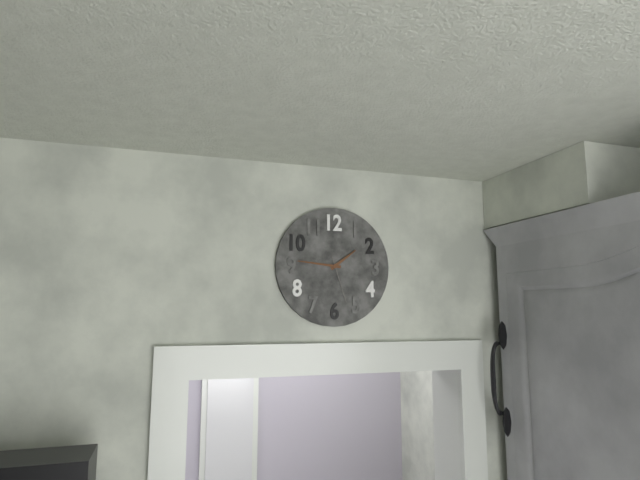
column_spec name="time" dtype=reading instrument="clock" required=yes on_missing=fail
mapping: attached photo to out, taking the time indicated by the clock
1:46
